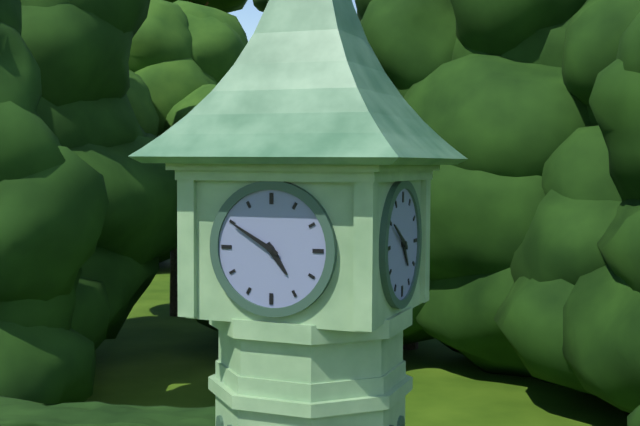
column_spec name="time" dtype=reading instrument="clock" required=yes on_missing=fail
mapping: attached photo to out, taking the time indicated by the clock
4:50
